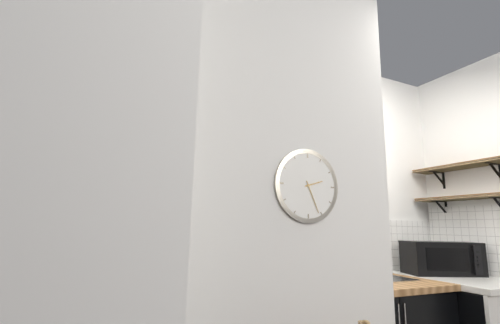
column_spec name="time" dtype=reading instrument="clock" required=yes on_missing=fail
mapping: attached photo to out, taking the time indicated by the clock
2:26
